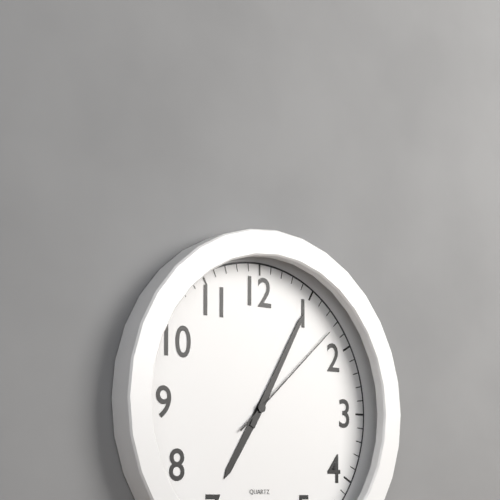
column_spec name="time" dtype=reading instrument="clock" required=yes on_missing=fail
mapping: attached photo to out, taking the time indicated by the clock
7:05:08
